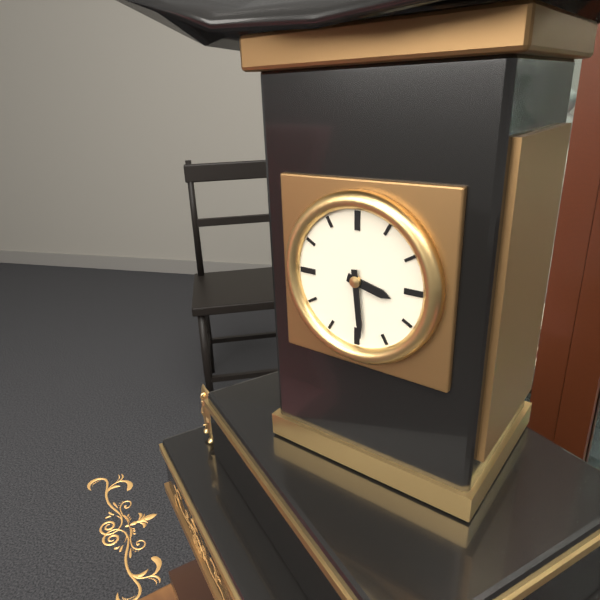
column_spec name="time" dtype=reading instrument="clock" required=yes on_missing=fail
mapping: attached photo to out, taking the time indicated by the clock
3:29
